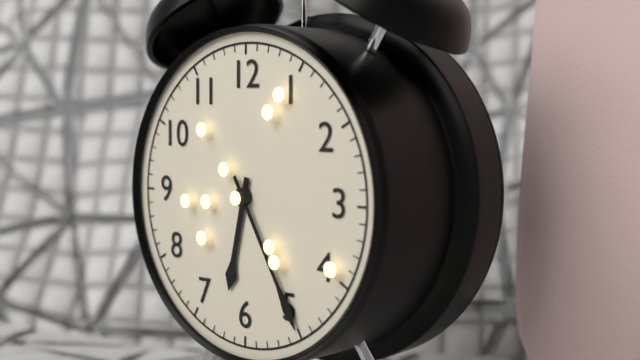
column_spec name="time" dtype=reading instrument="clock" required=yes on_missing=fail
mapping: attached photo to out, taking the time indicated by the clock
6:25
